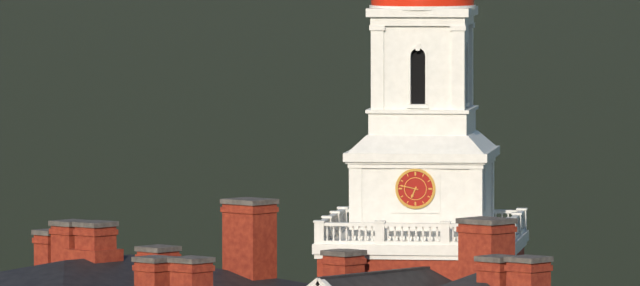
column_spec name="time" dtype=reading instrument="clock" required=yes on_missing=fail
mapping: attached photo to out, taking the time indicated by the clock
6:47
